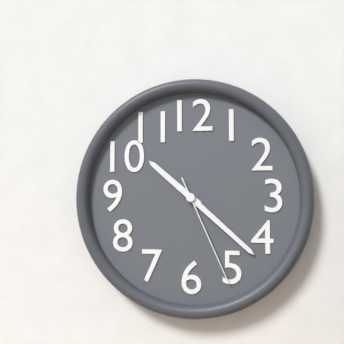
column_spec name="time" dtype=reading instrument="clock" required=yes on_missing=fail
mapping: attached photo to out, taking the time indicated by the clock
10:22:26
